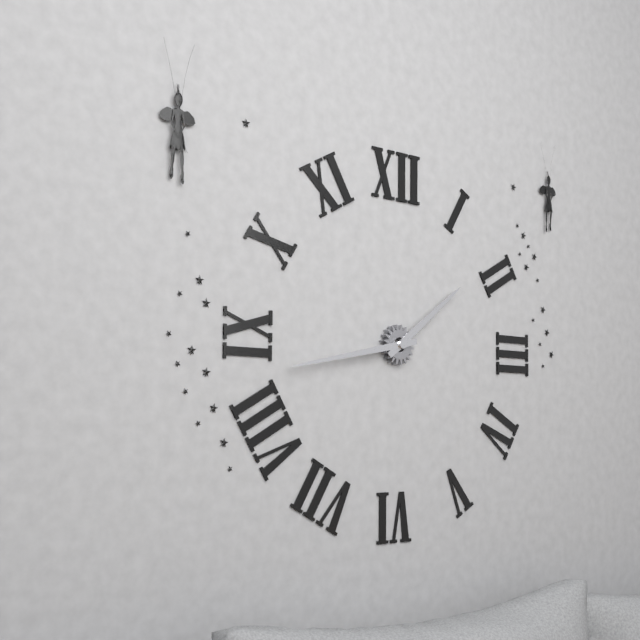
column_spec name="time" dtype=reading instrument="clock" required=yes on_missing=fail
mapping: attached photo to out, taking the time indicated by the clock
1:43
